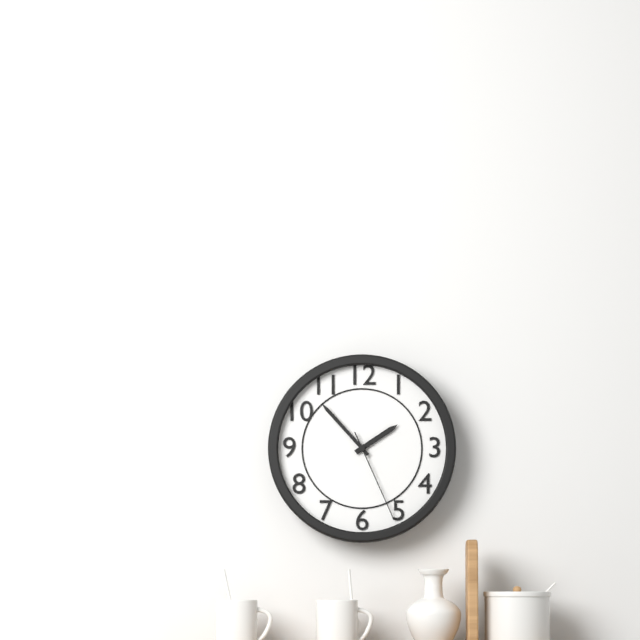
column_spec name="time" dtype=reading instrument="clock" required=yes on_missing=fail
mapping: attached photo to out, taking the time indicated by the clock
1:53:26
